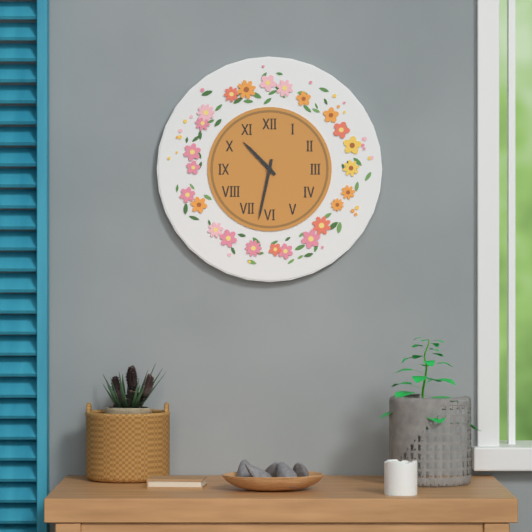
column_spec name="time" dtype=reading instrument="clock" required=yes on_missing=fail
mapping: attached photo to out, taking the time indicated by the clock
10:32
